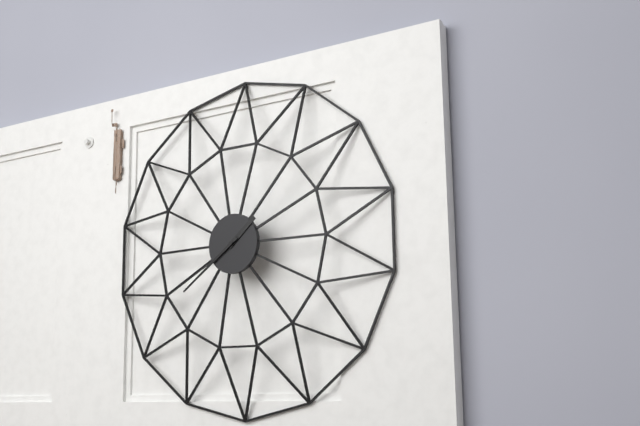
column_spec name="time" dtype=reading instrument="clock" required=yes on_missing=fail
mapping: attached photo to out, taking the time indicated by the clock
1:39
